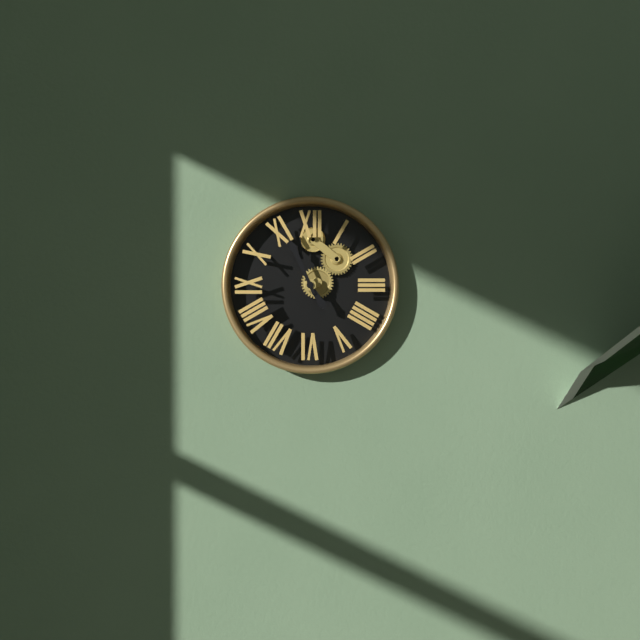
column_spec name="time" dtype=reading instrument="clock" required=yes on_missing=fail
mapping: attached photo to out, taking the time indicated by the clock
4:56
